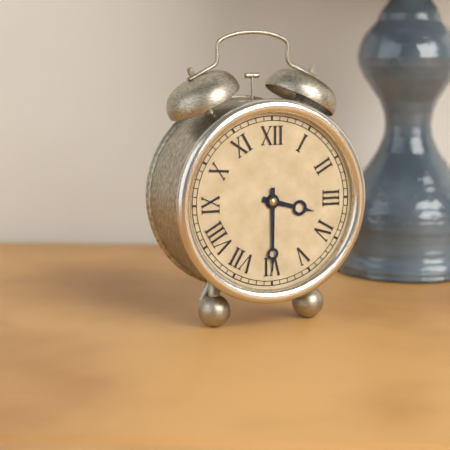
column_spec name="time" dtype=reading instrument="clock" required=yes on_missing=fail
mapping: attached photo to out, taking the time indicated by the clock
3:30
